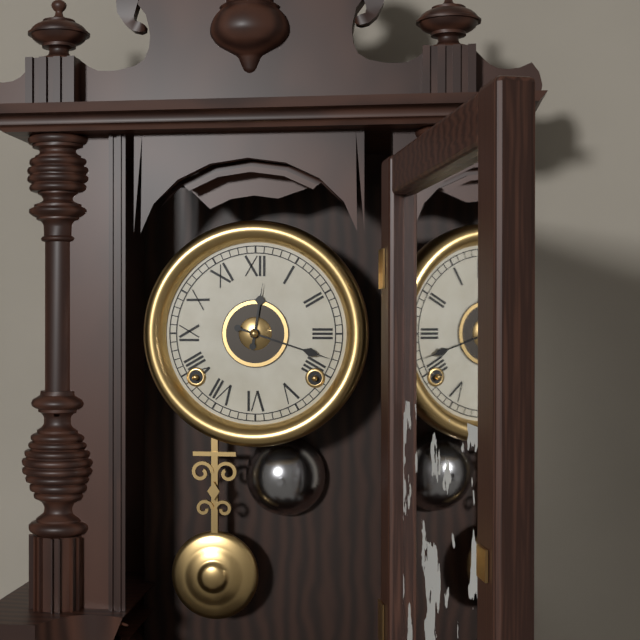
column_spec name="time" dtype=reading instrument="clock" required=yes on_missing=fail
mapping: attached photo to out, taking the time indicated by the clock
12:18
